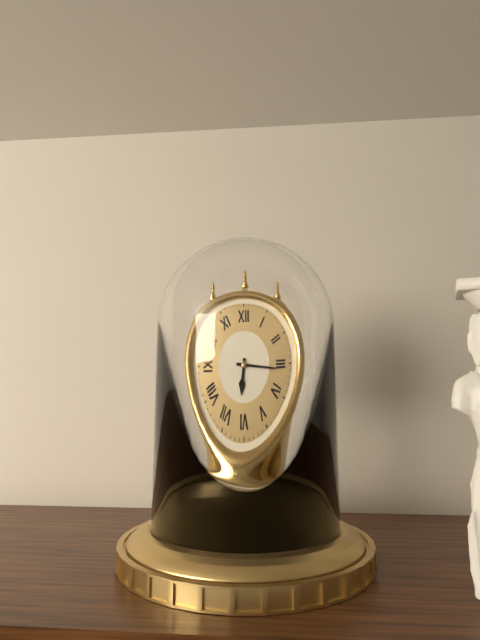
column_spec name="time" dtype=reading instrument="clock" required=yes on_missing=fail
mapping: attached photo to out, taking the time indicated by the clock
6:16
